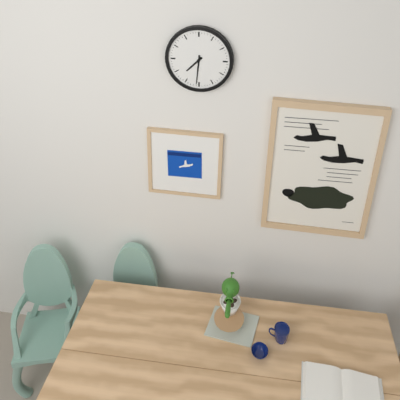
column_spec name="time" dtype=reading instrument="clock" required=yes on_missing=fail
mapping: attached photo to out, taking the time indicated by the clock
7:31
